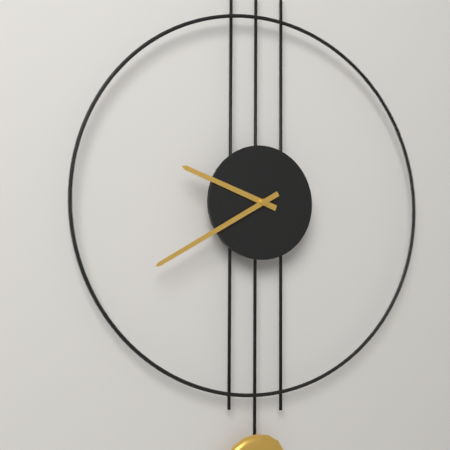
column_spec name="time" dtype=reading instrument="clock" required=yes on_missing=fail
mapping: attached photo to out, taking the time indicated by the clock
9:40
